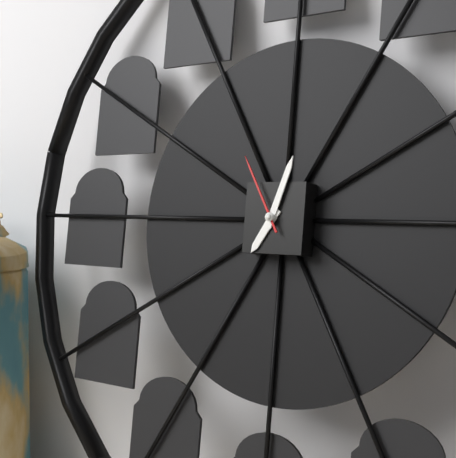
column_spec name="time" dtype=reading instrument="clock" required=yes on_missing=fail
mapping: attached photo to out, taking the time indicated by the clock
7:03:55
